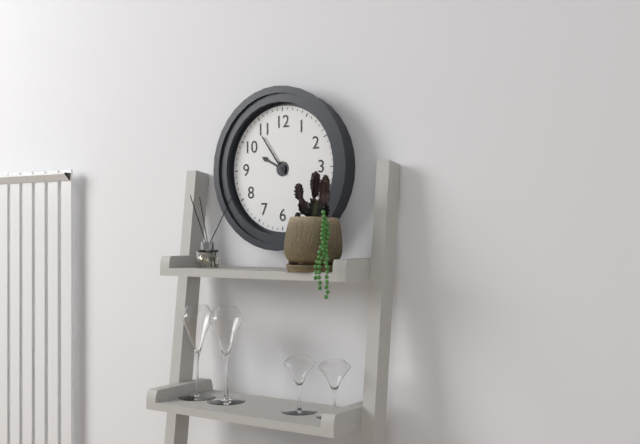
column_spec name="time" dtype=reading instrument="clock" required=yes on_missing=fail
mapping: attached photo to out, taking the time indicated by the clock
9:54
